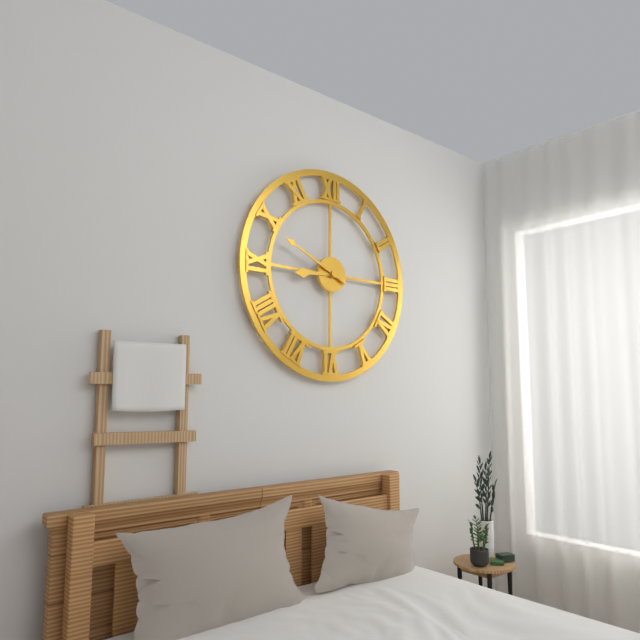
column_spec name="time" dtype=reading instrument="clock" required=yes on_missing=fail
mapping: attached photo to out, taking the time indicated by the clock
8:49
